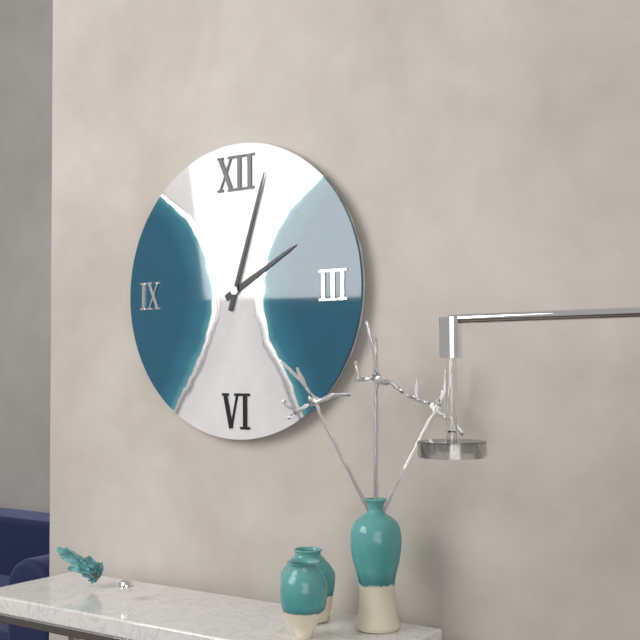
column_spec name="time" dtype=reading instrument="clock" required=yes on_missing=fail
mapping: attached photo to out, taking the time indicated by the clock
2:03
